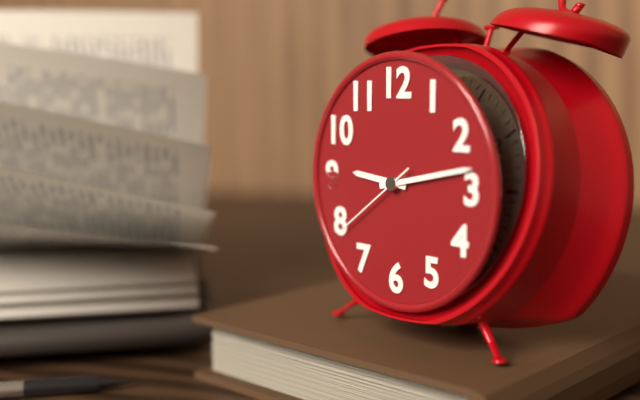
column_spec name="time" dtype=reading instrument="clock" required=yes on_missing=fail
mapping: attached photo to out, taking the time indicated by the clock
9:13:39
